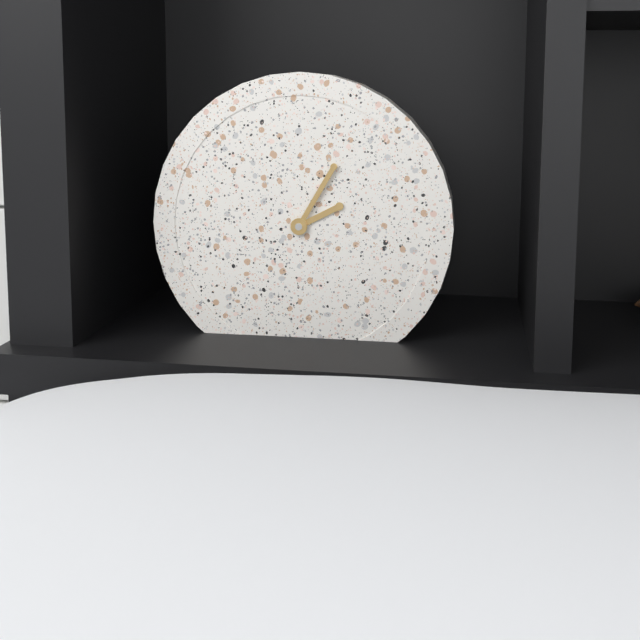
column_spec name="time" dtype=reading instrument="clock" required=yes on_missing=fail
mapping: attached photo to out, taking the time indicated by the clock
2:05
